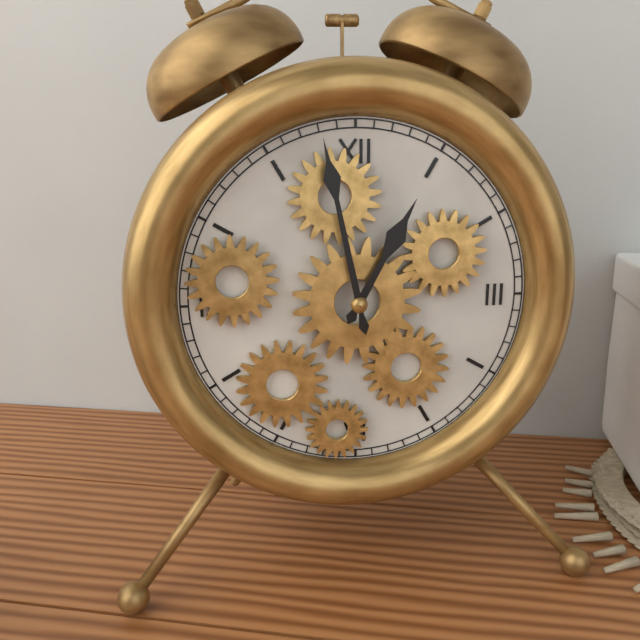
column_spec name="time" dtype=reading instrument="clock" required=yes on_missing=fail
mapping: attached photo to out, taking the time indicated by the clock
12:58
